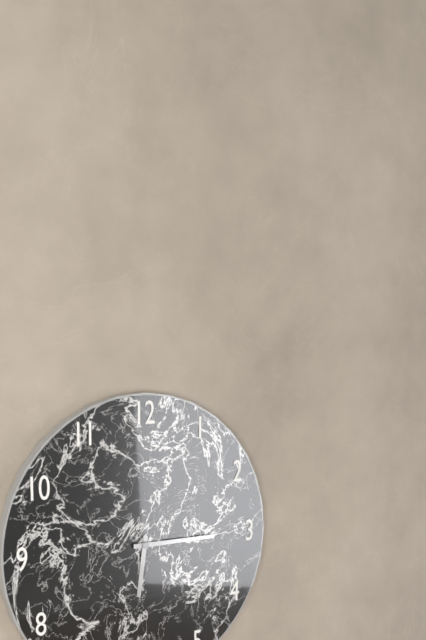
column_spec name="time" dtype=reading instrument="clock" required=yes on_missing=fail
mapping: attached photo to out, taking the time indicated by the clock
6:15
